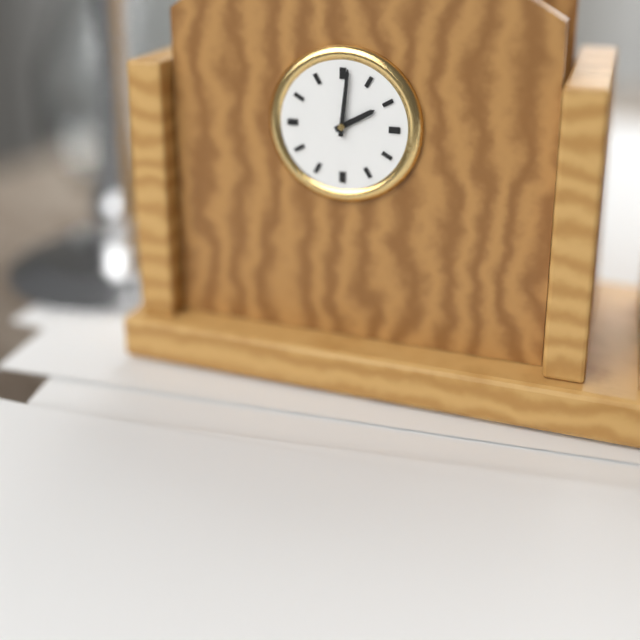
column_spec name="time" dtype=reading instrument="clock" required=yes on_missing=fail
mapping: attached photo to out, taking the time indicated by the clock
2:01
